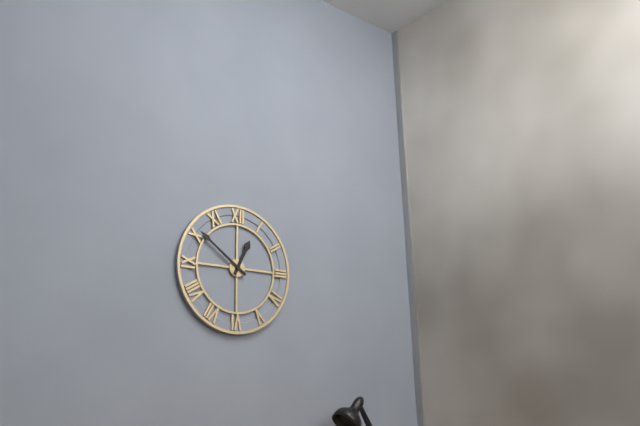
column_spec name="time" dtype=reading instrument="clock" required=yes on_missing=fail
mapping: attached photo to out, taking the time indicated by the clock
12:51
